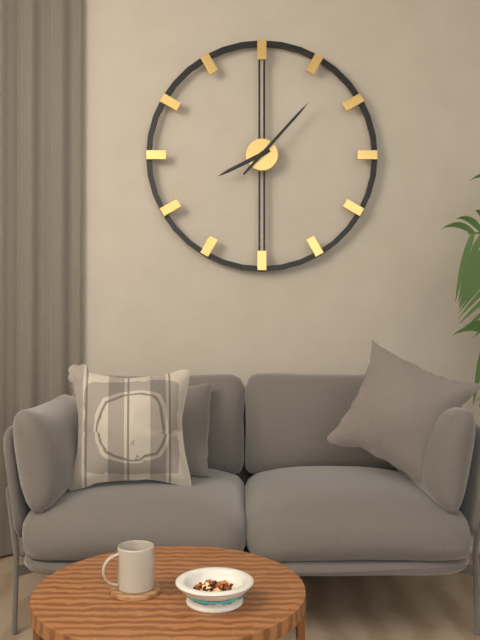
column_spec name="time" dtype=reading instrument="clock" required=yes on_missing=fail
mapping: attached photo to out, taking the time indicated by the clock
8:07
